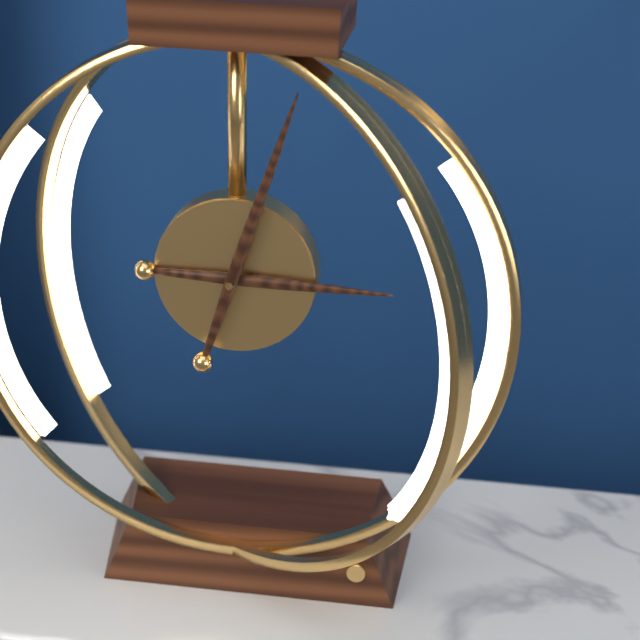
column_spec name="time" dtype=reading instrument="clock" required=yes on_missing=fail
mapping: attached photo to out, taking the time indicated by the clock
3:03
